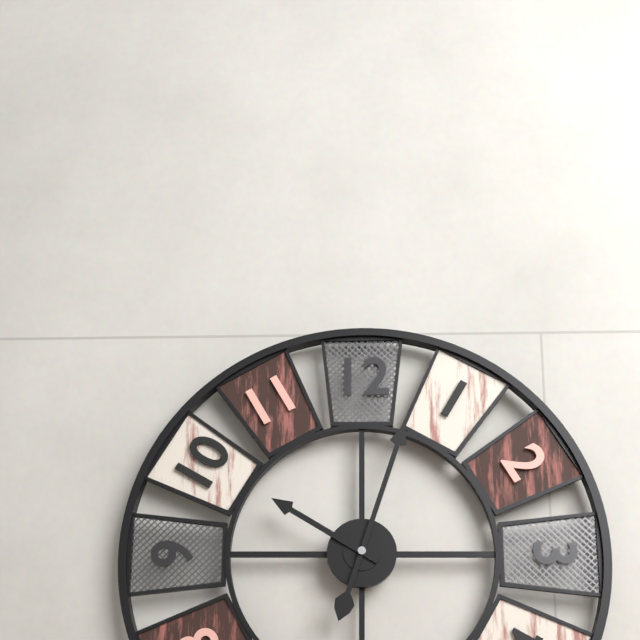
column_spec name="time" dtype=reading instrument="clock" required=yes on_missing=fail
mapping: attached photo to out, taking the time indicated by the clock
10:03
